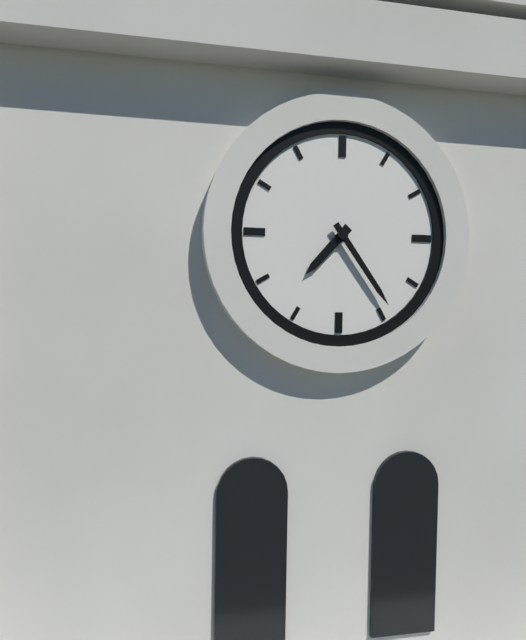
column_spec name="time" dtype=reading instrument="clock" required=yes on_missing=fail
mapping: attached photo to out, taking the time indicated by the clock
7:24
